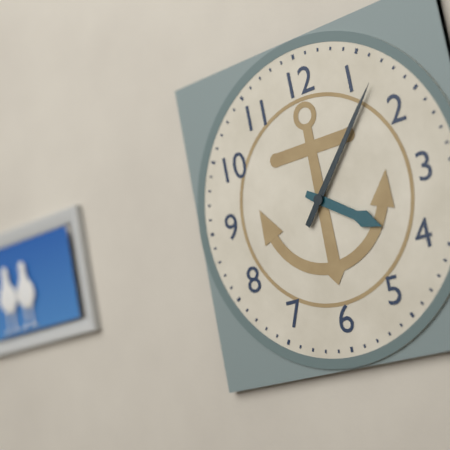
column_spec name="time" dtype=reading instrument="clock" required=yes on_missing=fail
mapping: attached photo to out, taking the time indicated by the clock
4:07
